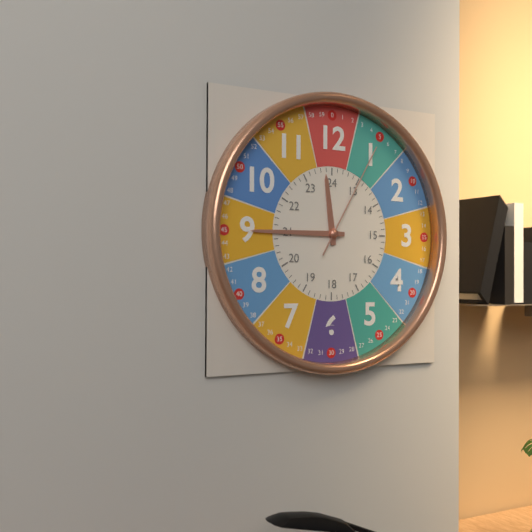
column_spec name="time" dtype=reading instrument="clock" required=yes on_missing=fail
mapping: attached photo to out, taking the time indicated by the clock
11:45:05
